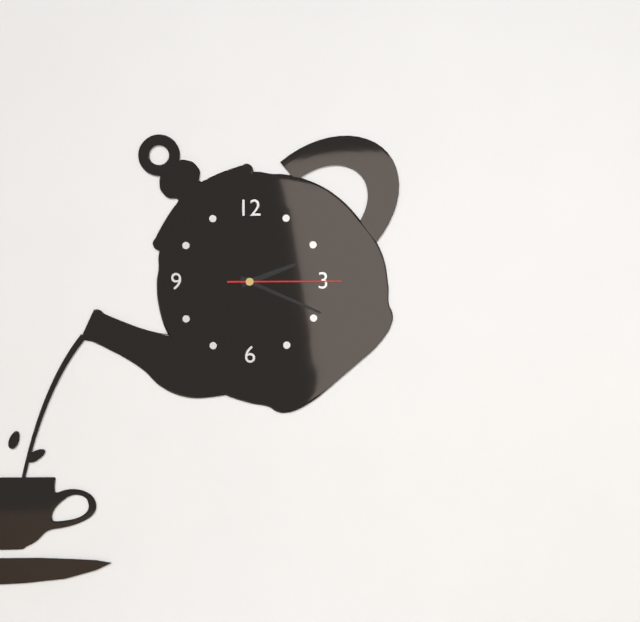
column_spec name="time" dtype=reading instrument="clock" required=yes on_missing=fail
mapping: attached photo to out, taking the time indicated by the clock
2:19:15
